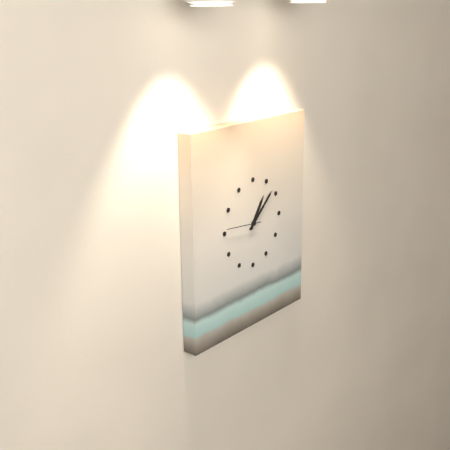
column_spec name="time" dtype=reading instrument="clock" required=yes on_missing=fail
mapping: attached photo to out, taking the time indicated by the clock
1:08
